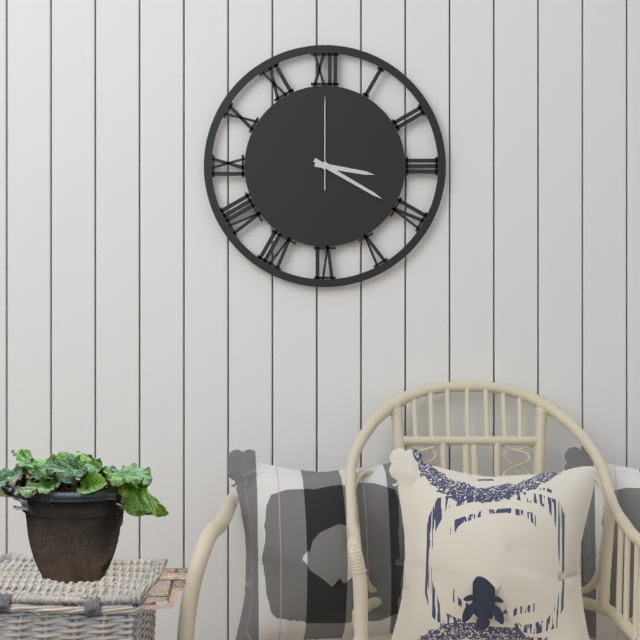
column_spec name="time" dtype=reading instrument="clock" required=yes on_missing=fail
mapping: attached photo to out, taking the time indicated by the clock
3:20:00
